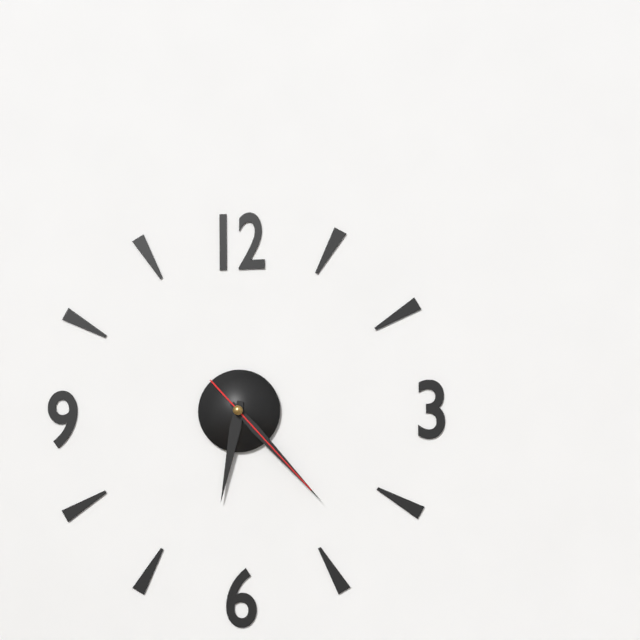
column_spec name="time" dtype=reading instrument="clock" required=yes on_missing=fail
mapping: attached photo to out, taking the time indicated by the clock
6:23:23
